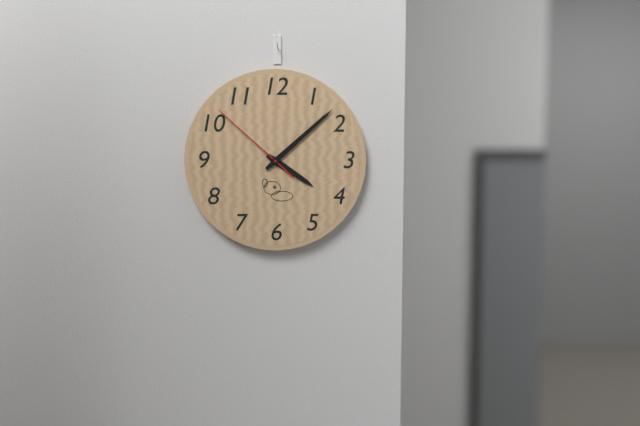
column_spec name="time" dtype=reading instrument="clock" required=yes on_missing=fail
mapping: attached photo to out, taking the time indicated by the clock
4:08:52
